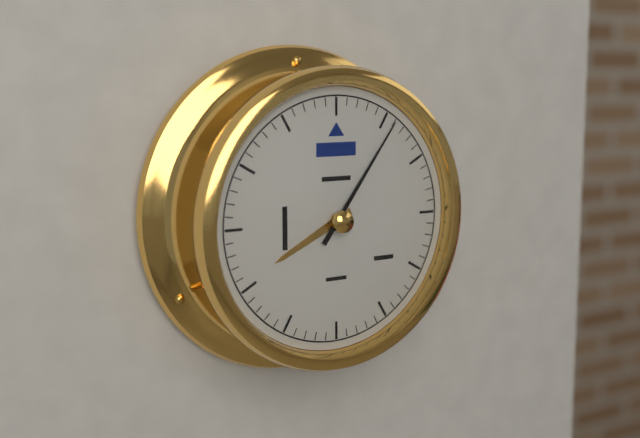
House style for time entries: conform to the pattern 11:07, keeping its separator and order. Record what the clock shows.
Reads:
8:06
